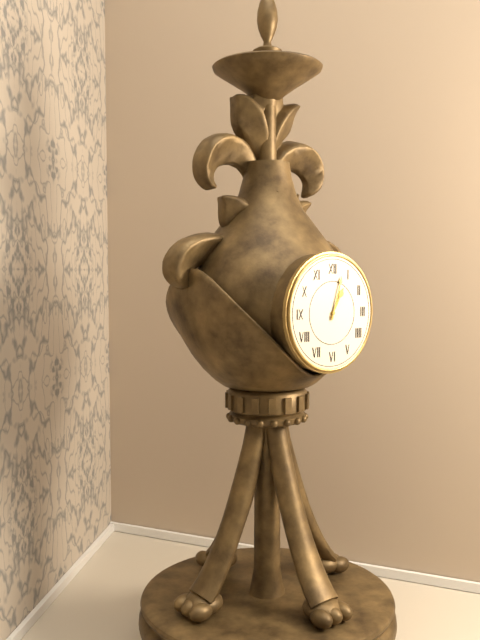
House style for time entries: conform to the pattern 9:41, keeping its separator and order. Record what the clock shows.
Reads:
1:03
